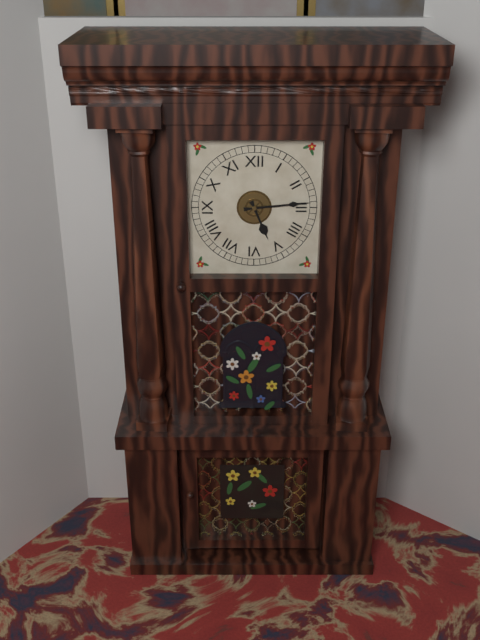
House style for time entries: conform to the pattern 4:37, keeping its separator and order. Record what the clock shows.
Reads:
5:14
